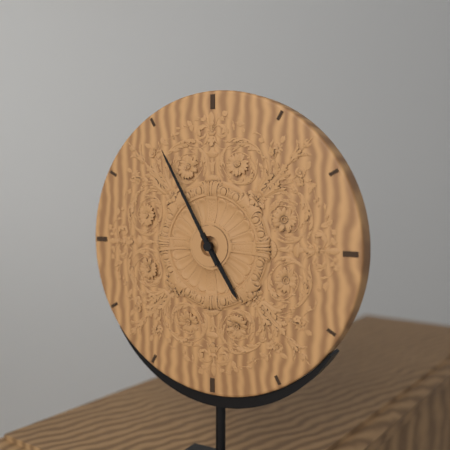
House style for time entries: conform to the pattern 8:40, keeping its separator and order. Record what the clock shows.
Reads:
4:55
